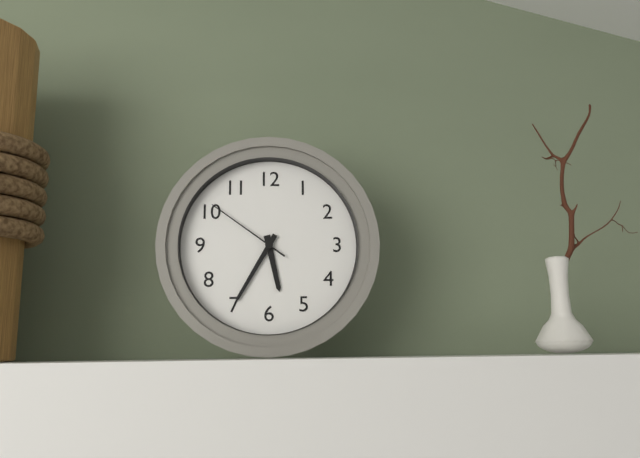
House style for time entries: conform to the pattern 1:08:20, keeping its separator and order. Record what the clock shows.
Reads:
5:35:51
